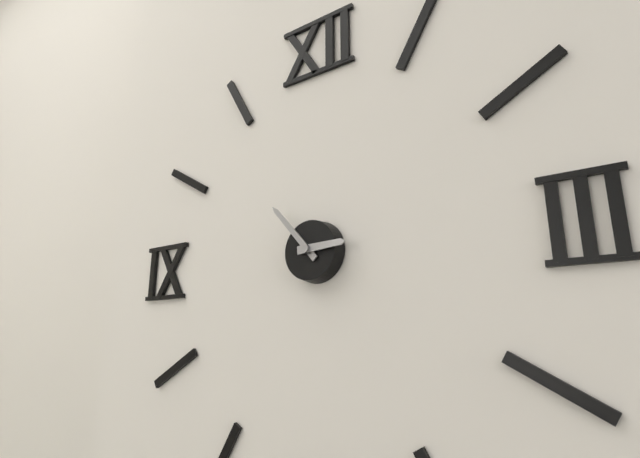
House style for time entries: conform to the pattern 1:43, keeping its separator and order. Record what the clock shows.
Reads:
2:53
